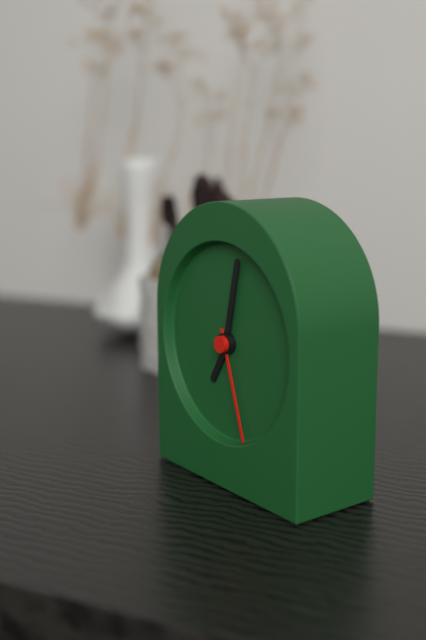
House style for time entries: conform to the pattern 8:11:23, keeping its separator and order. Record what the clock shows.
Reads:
7:02:27
